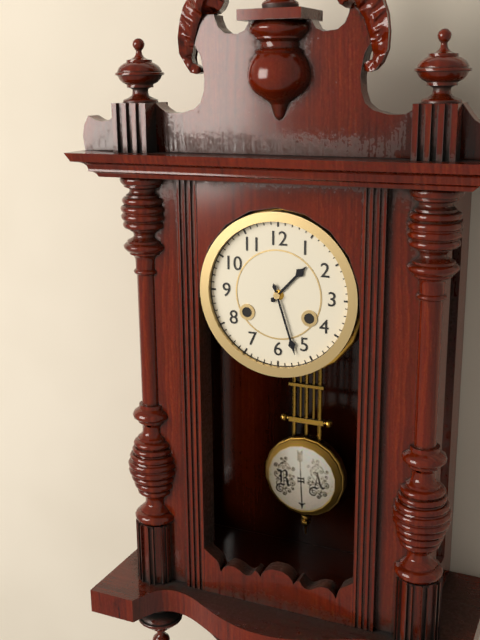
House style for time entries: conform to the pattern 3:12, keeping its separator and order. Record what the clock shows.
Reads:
1:27
